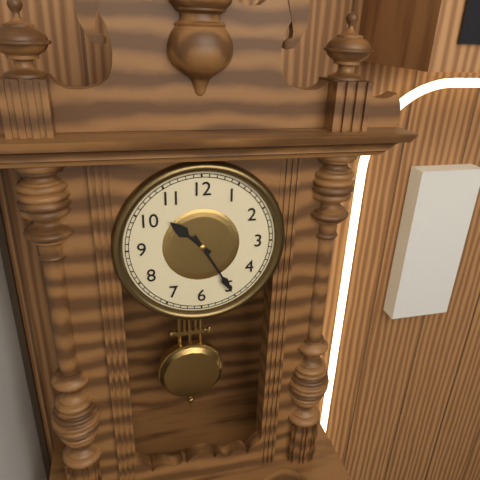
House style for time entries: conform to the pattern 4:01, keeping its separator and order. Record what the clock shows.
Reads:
10:25
